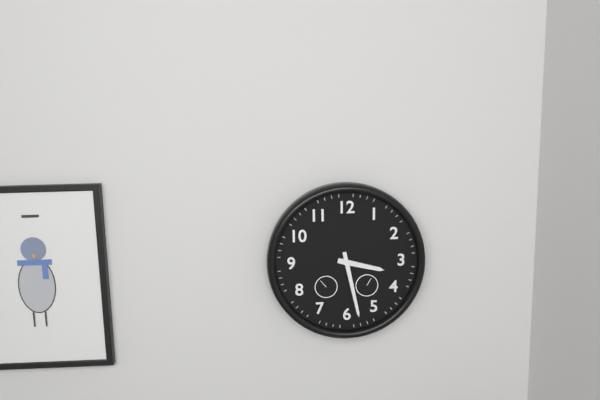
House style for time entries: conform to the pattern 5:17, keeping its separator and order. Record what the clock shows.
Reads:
3:28
